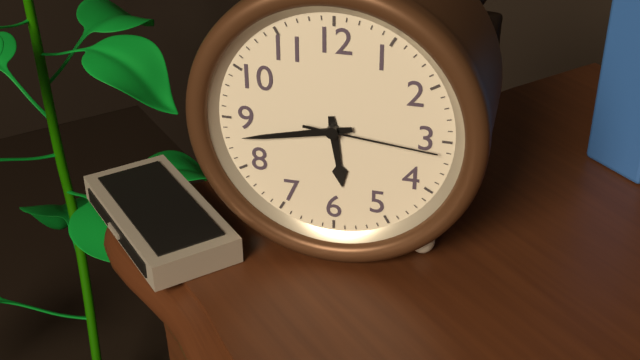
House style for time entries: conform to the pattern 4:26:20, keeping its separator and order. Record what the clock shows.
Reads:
5:43:16
